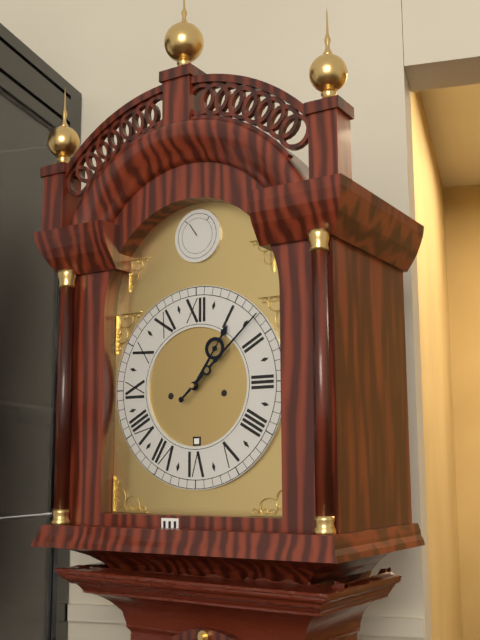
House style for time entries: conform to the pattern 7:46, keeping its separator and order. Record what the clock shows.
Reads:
1:08
